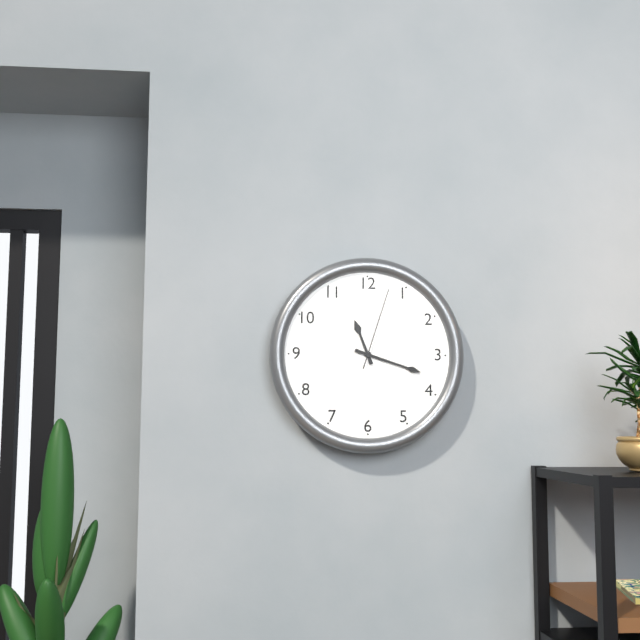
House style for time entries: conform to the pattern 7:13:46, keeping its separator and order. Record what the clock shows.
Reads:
11:18:03
